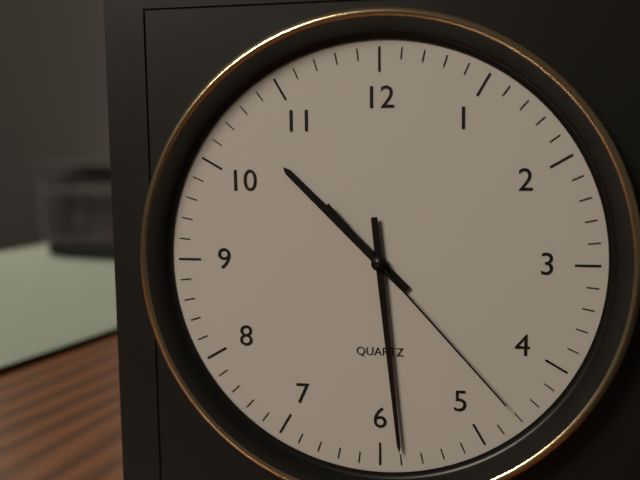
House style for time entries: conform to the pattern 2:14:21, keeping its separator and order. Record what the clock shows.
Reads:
10:29:23
